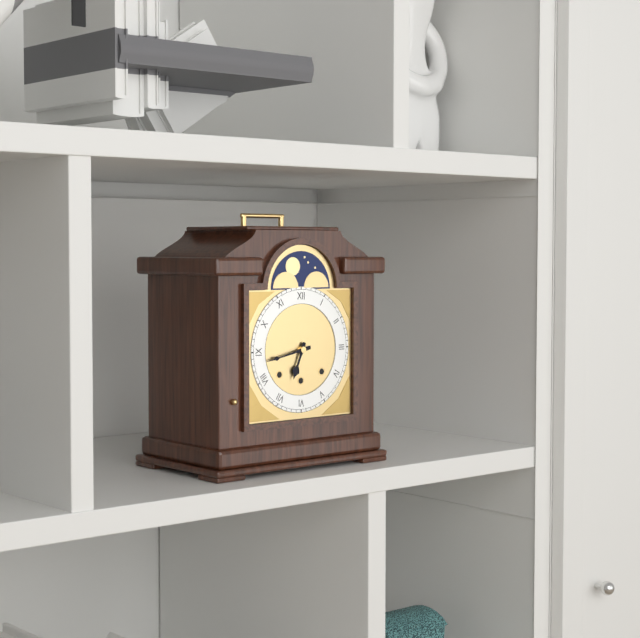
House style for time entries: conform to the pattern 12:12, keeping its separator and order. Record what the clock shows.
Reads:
6:43
